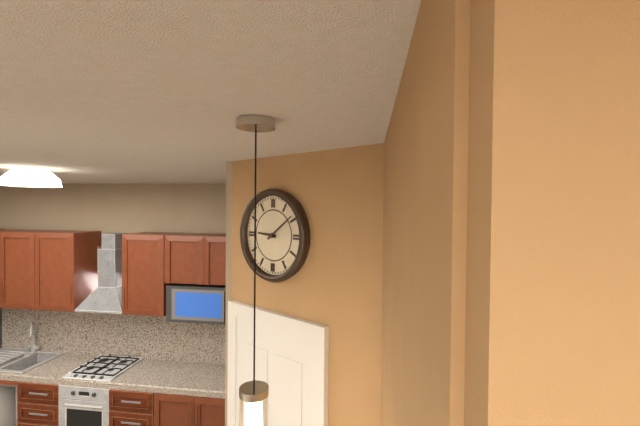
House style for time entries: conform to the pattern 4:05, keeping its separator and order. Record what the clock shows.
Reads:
9:09
